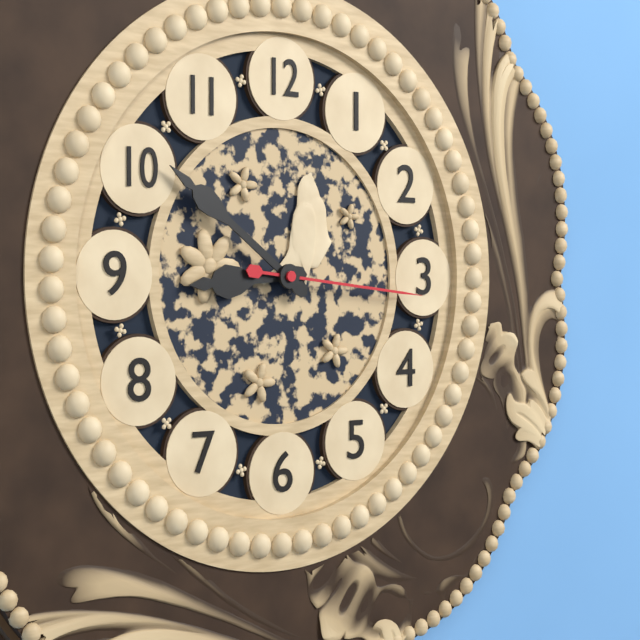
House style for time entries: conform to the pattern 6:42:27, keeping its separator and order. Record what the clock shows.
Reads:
8:51:16
